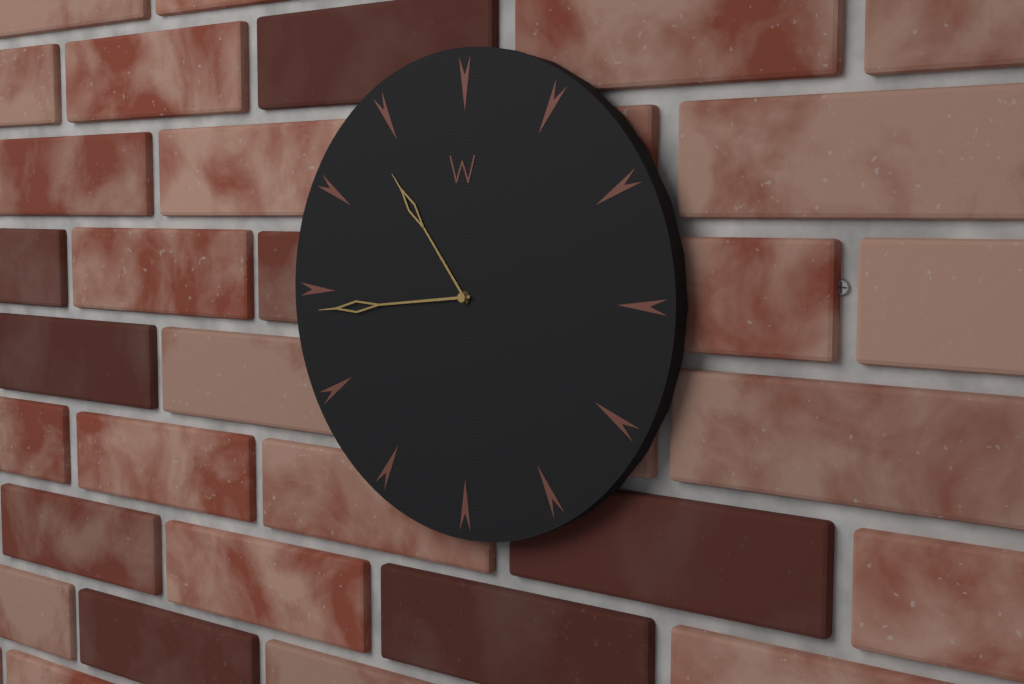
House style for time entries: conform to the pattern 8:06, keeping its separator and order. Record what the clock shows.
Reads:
10:44
